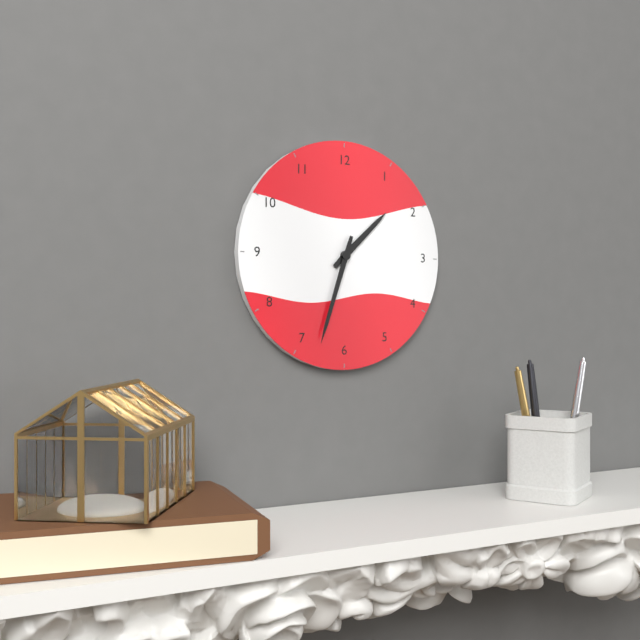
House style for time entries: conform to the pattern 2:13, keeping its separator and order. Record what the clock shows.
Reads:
1:33
